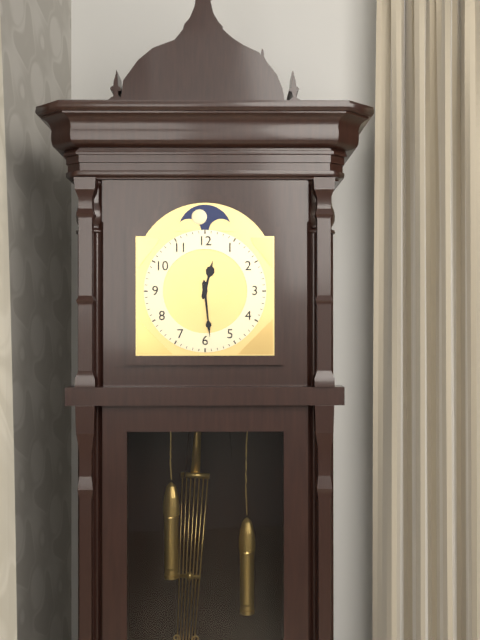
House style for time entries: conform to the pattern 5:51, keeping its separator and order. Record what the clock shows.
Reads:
12:29
